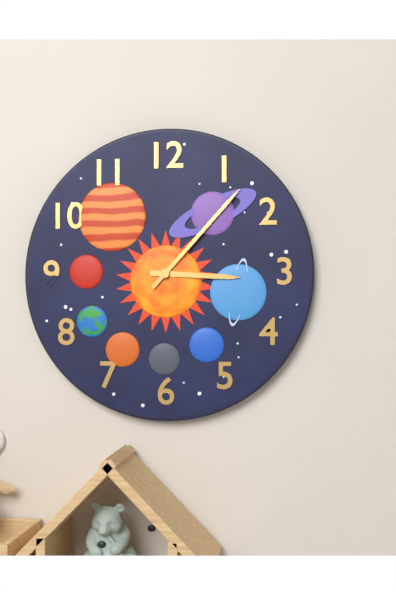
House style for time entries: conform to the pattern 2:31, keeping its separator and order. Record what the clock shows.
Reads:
3:07
